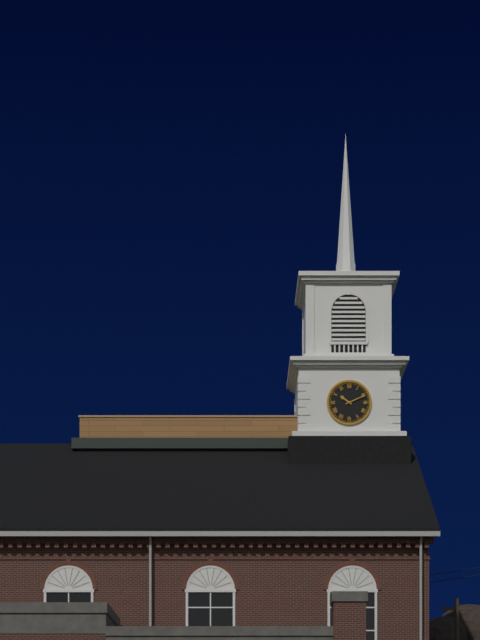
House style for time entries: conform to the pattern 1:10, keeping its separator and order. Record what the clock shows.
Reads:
10:11
